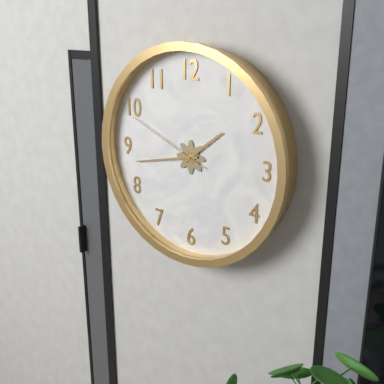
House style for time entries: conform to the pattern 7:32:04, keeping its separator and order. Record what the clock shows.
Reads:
1:43:49
